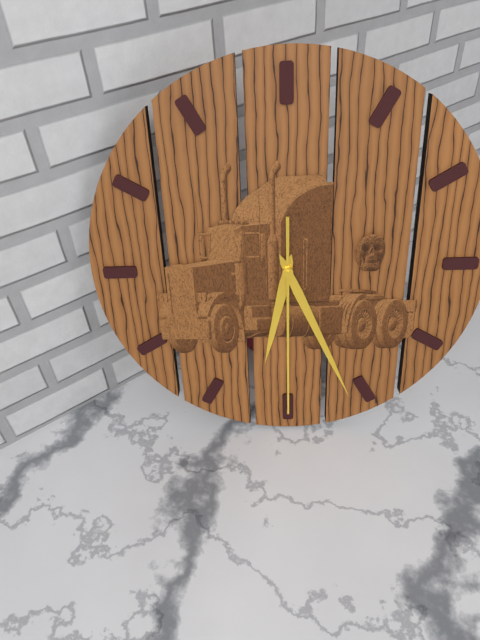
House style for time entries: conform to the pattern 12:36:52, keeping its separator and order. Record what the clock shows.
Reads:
6:26:30
